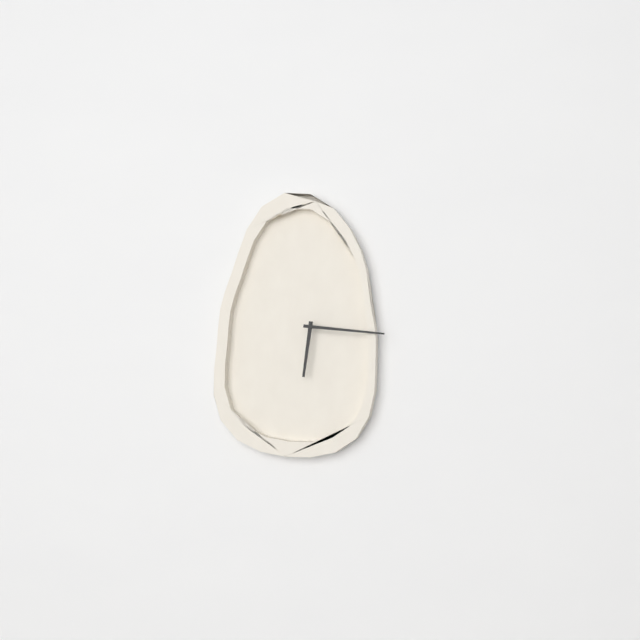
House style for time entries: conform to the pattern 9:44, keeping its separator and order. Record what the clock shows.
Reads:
6:16
